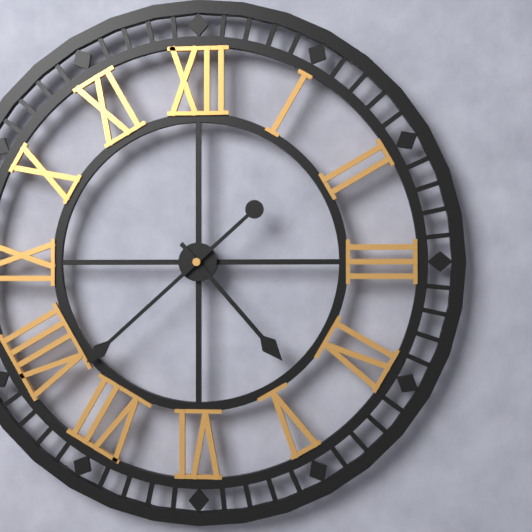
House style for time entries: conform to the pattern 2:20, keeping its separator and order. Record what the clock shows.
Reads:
4:38
